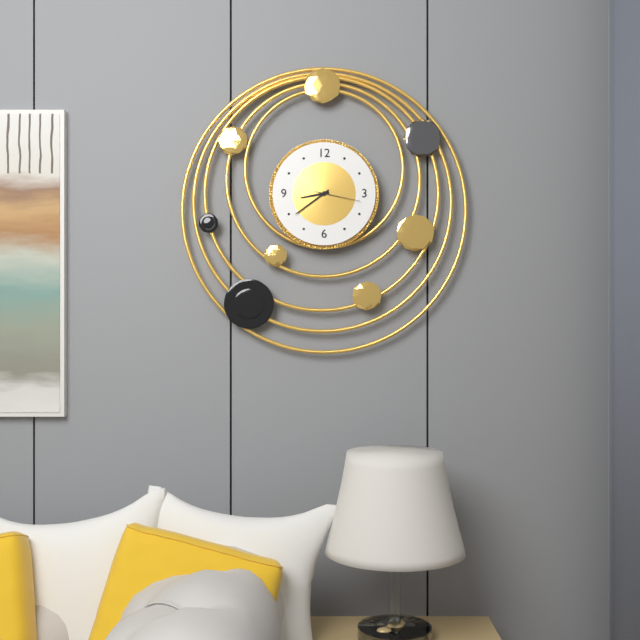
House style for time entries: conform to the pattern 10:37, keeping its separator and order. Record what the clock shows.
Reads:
8:39
